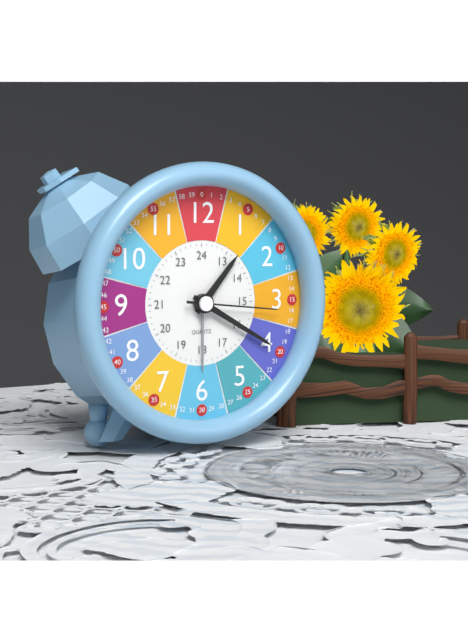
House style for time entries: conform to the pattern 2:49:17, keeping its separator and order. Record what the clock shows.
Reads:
1:20:16
